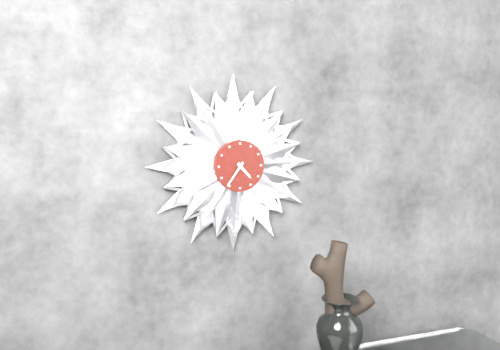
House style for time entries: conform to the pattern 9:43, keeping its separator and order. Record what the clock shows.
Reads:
4:36
